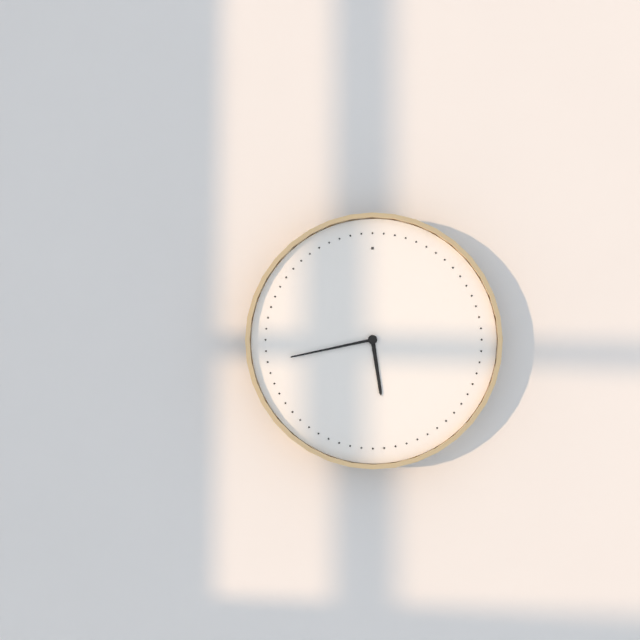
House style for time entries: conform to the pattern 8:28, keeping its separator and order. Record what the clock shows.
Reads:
5:43
